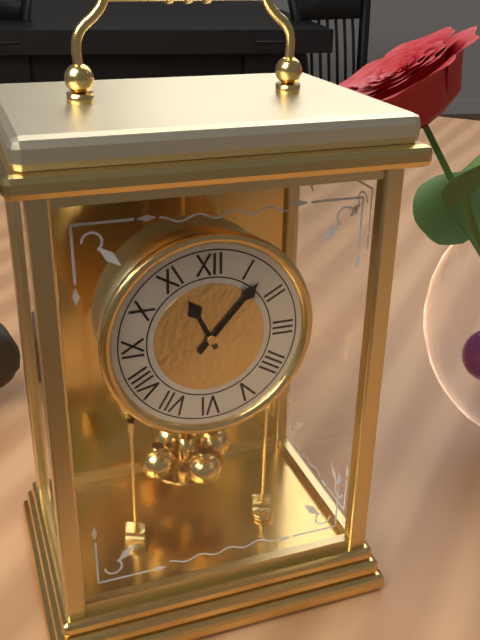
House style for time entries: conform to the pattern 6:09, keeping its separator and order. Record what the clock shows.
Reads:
11:07
